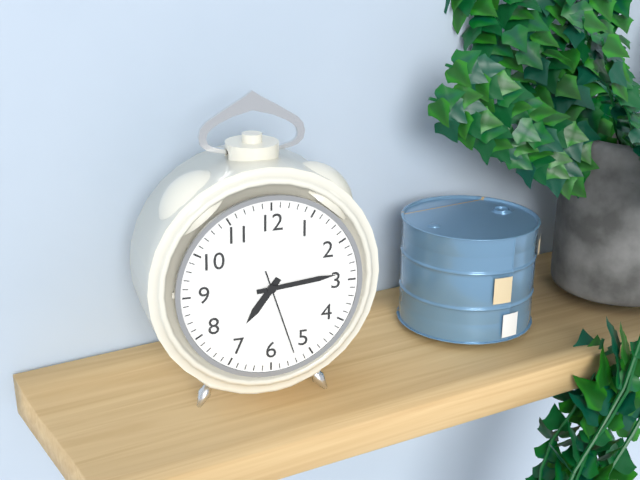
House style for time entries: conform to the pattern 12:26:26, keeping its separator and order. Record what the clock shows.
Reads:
7:14:27
